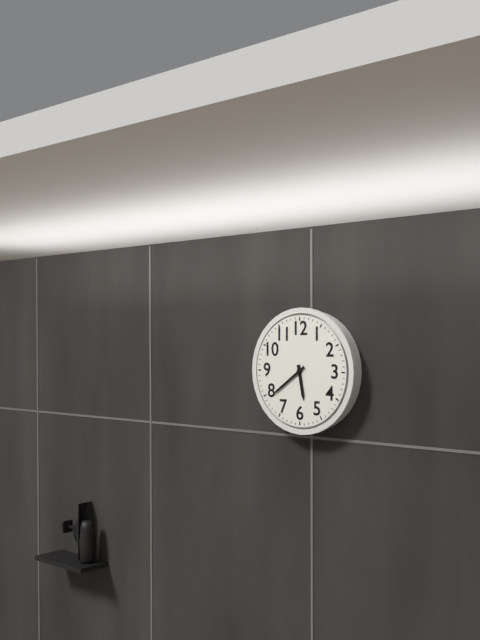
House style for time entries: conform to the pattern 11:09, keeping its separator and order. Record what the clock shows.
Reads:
5:39
